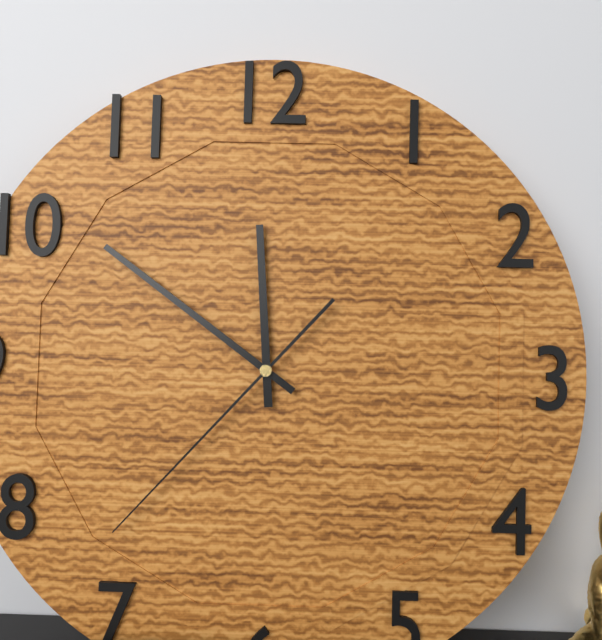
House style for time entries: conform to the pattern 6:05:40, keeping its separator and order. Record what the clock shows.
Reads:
11:51:37
